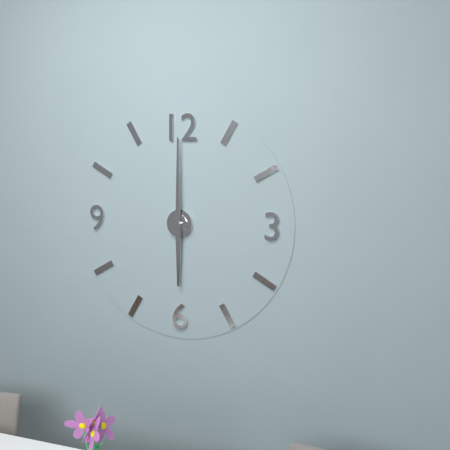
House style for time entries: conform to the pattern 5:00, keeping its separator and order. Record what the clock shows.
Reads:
6:00
